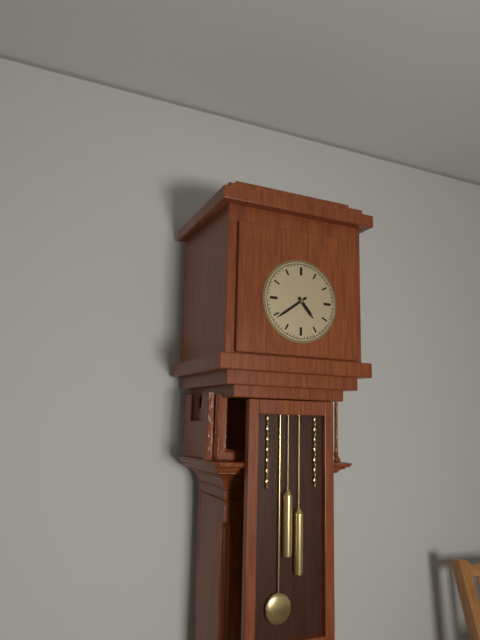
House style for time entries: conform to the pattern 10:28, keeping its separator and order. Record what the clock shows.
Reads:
4:39
